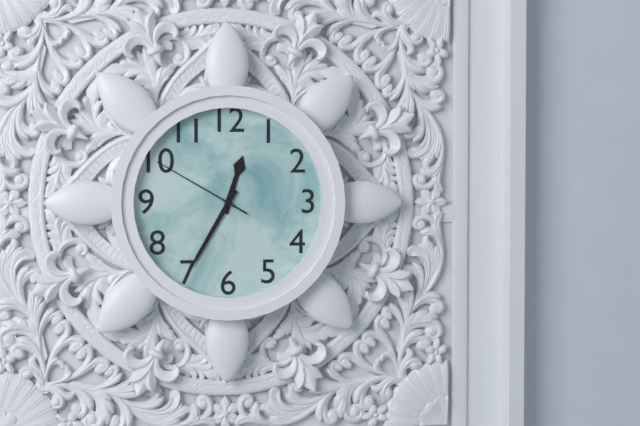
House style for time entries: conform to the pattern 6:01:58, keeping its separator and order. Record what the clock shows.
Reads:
12:35:50
